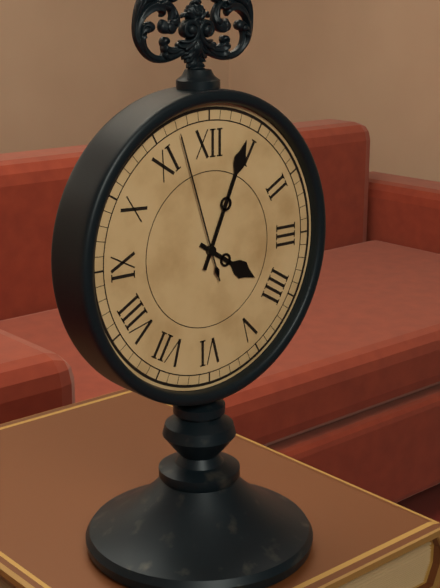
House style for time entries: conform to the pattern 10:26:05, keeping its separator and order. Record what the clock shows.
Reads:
4:04:57
